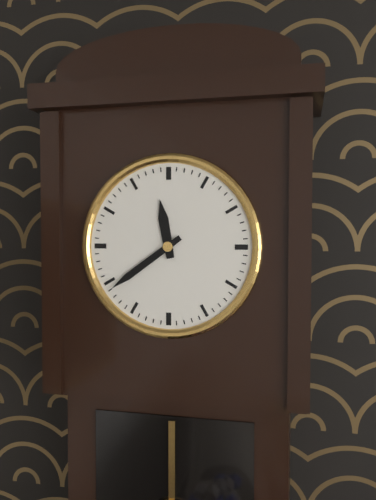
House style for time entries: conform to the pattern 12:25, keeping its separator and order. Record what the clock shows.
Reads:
11:39
